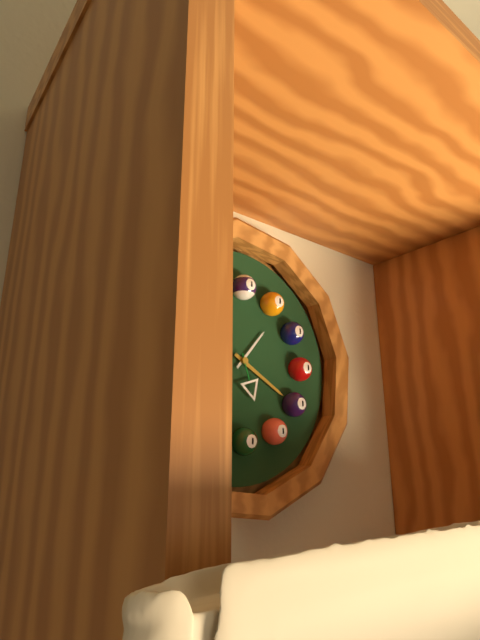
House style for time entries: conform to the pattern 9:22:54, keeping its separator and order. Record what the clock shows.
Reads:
1:20:27
